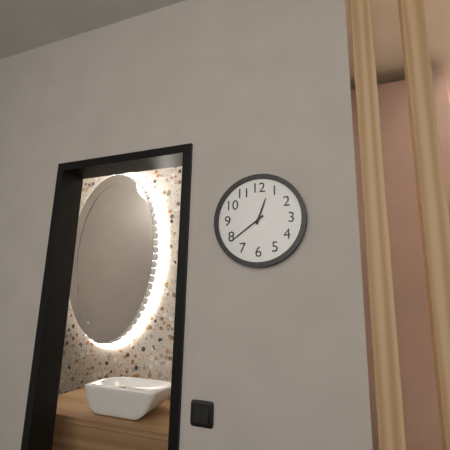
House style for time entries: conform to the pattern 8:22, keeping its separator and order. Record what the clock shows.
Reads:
12:39
